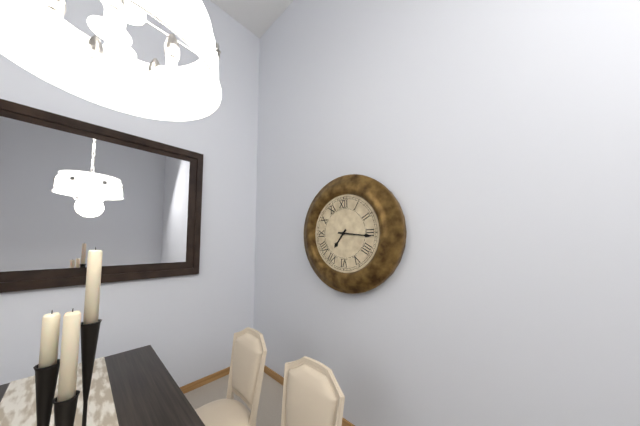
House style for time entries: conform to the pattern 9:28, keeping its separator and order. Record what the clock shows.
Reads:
7:16
